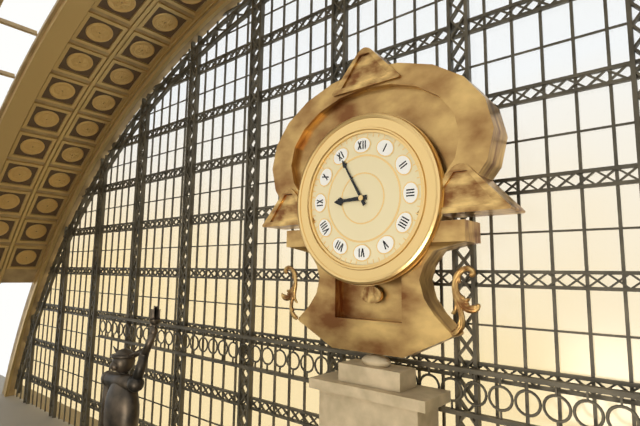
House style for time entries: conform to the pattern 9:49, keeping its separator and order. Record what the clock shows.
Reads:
8:55
